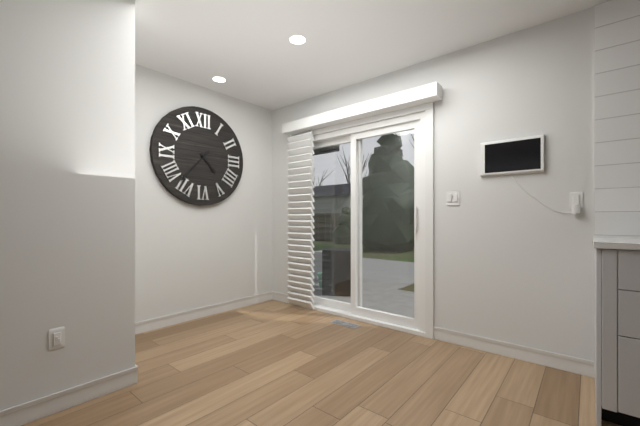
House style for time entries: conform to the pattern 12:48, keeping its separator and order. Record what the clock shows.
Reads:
4:37
